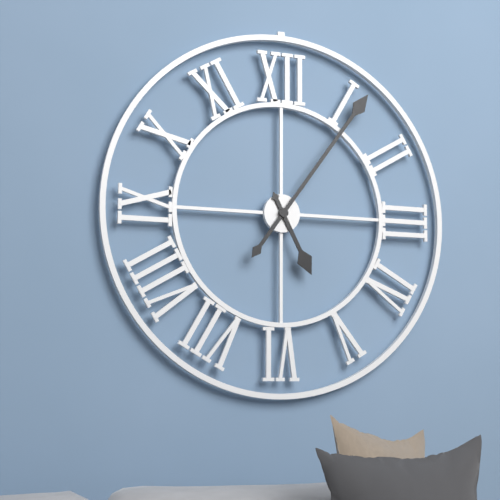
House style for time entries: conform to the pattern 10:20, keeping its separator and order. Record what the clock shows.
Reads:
5:06
